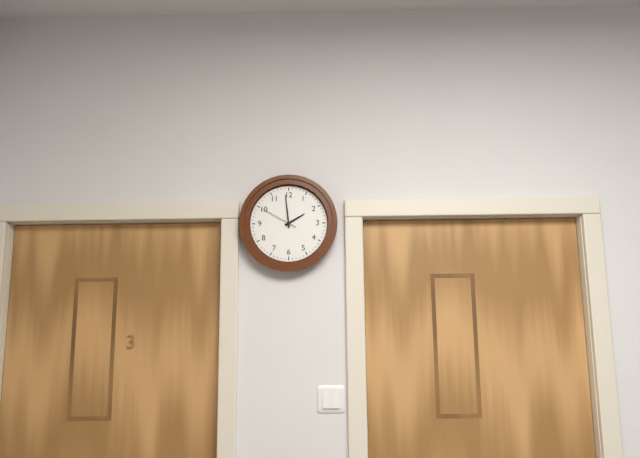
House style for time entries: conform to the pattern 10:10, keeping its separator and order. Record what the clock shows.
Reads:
1:59
